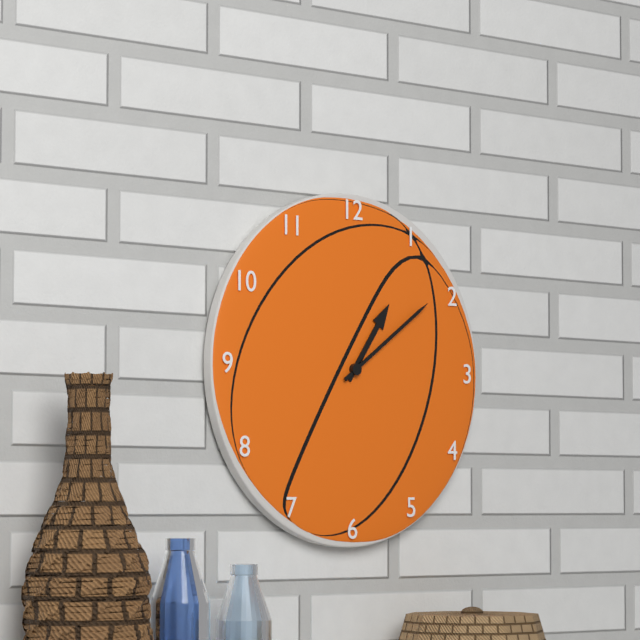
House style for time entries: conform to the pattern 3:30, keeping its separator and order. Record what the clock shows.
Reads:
1:09
